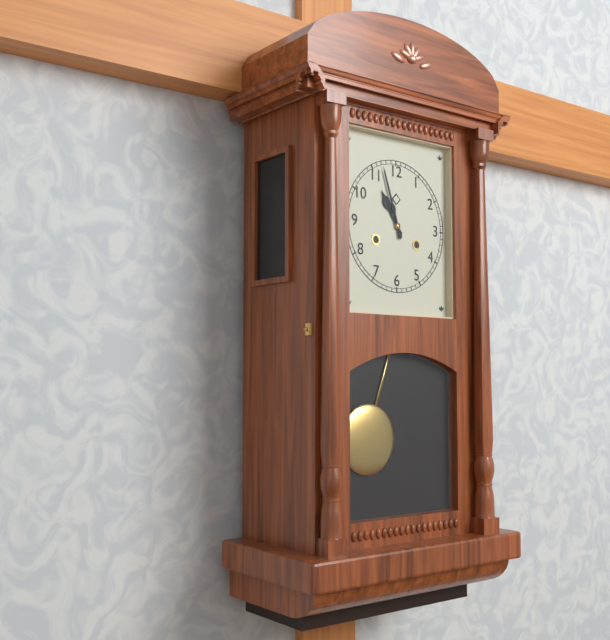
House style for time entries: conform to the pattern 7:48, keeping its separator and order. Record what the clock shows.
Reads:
10:57
